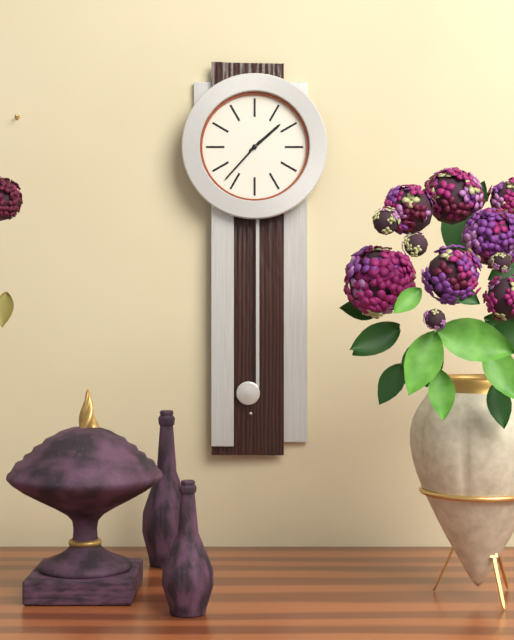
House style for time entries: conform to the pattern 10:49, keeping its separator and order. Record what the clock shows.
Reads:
1:37
